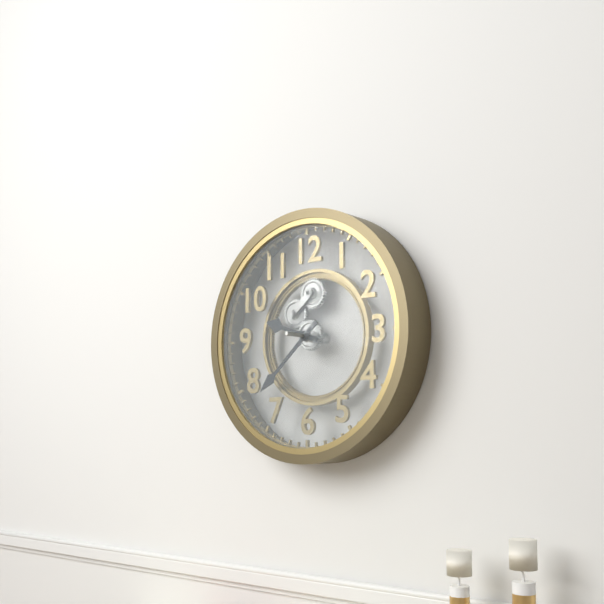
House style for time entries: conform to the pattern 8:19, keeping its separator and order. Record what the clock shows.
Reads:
9:38
